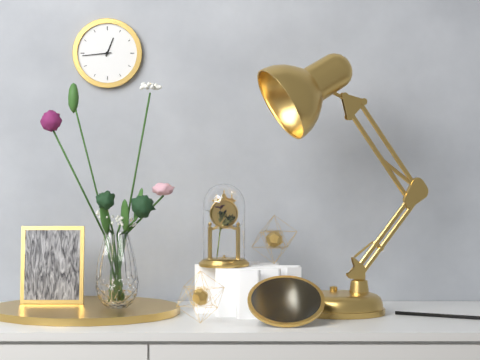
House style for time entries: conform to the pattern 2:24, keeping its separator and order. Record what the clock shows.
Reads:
12:44
